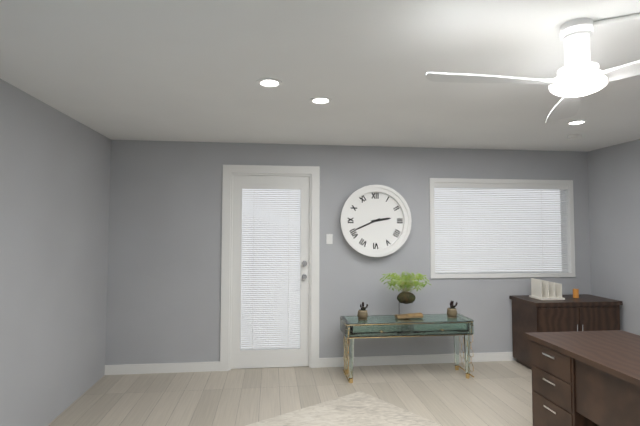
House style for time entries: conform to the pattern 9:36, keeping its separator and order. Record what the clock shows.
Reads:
2:41
